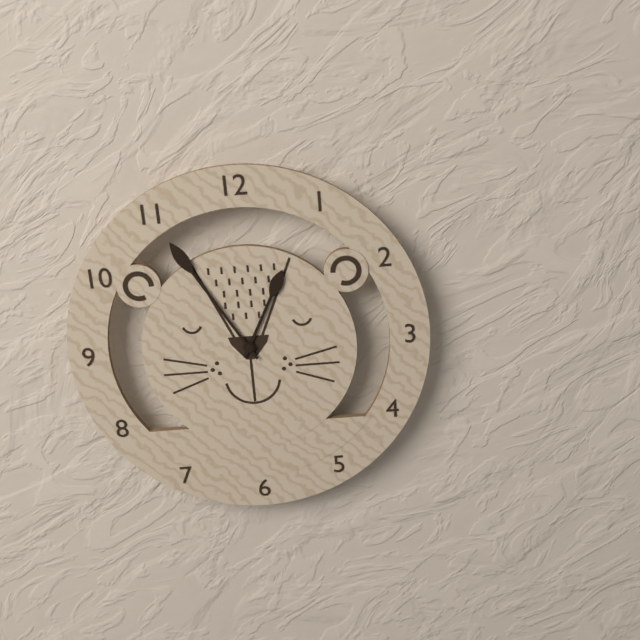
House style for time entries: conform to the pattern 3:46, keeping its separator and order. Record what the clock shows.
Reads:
12:55
